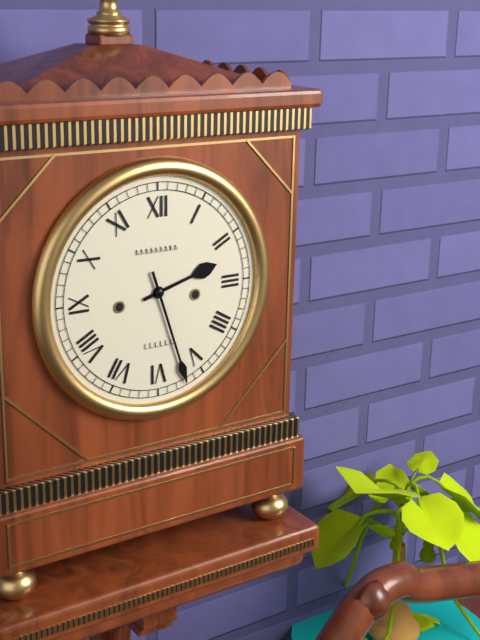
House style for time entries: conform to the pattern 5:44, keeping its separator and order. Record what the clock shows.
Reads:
2:27
